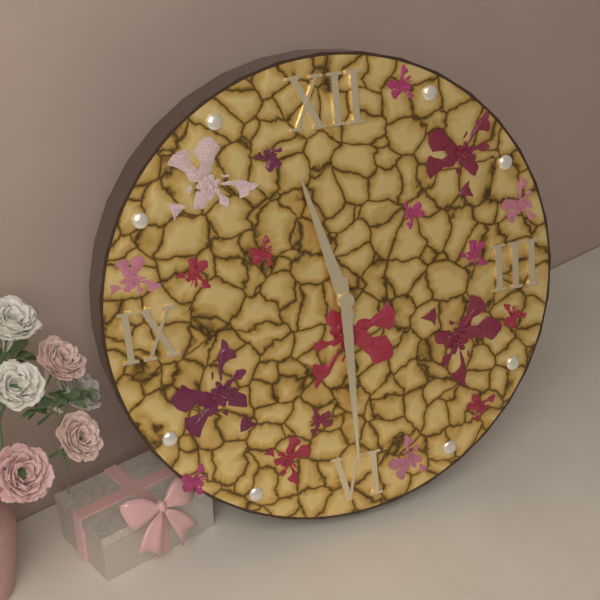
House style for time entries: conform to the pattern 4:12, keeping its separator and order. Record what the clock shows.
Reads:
11:30
